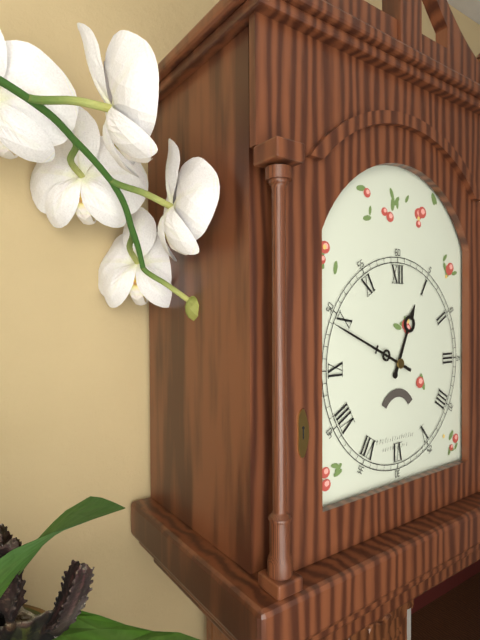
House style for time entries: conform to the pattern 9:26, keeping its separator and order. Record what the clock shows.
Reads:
12:49
